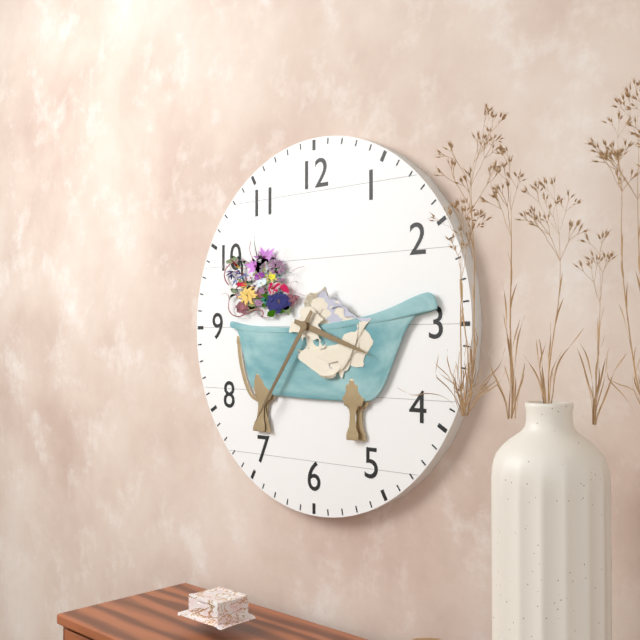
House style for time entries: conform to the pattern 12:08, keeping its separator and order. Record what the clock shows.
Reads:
3:36
